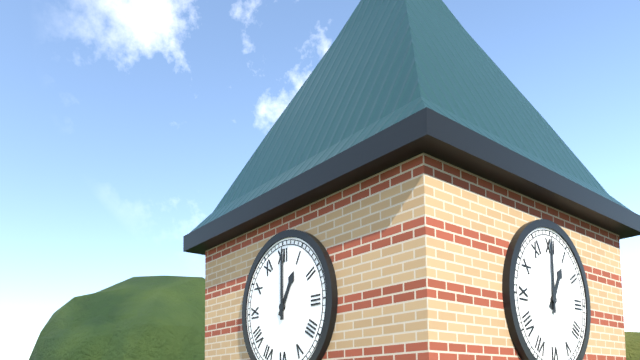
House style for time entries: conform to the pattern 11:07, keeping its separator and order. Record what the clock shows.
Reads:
1:00
